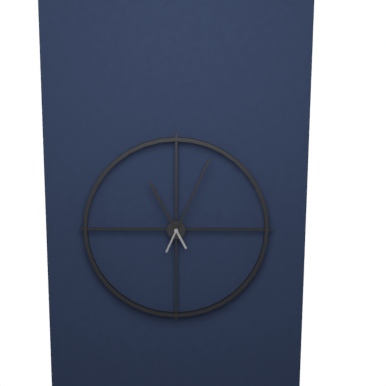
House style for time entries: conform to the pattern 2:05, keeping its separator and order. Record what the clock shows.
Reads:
11:04
